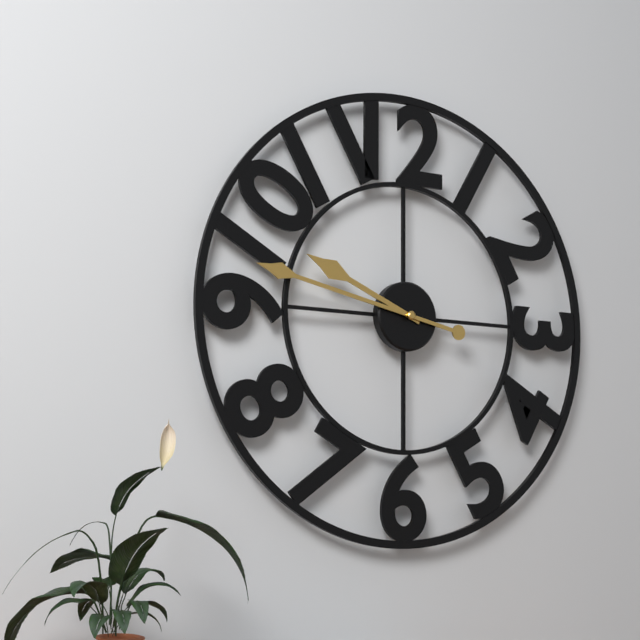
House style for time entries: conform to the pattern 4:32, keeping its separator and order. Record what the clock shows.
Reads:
9:47
